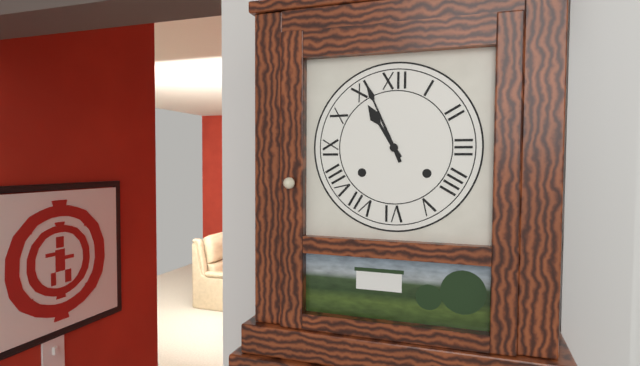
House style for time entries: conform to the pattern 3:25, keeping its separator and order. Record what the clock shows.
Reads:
10:56
